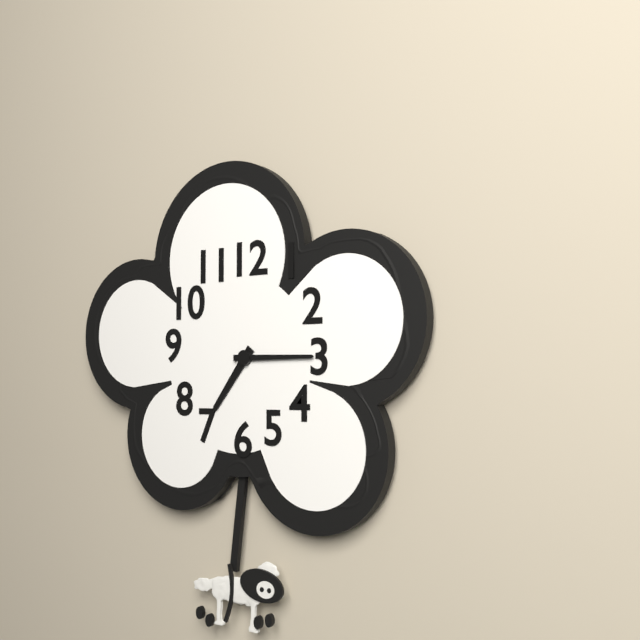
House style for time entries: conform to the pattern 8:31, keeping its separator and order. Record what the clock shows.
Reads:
7:15
